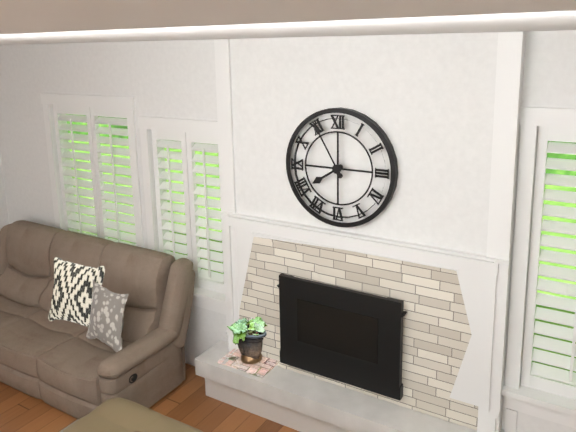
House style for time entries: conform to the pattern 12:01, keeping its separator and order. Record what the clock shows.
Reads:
7:55
